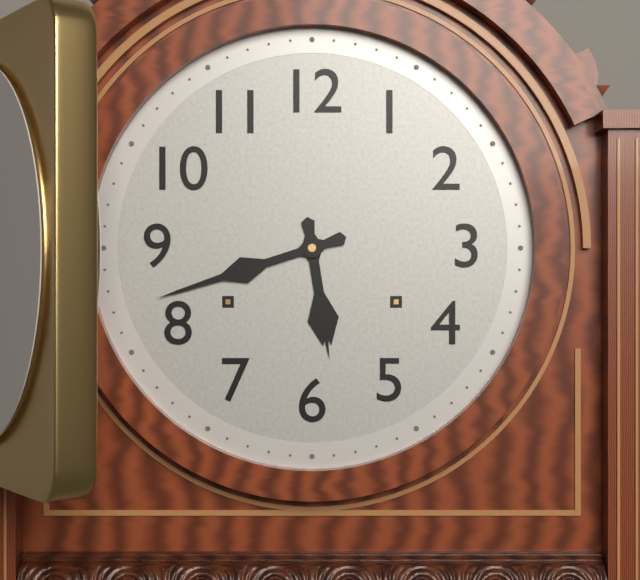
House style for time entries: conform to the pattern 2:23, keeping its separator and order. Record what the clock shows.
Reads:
5:42
